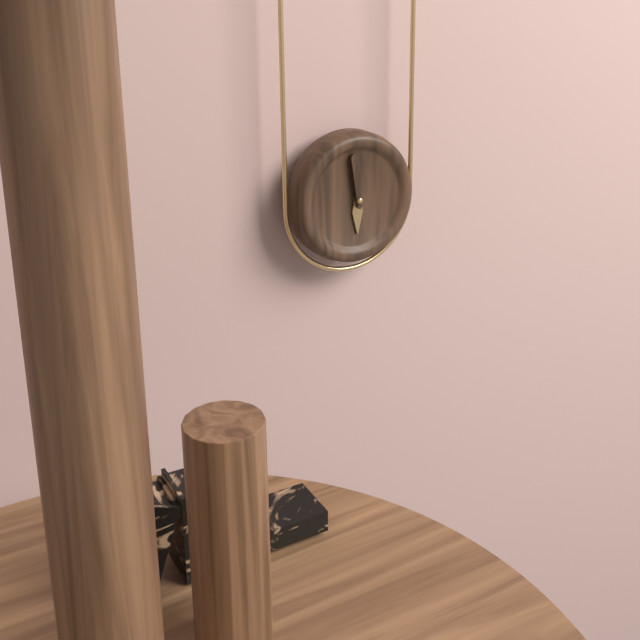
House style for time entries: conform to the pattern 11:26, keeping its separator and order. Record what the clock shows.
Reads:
5:59
